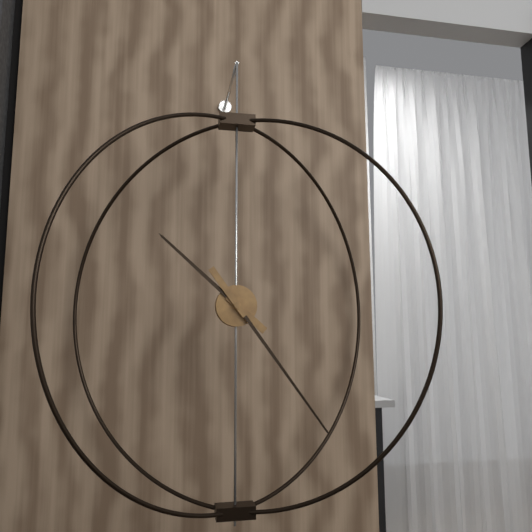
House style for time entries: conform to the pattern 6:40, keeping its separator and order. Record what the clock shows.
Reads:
10:24
